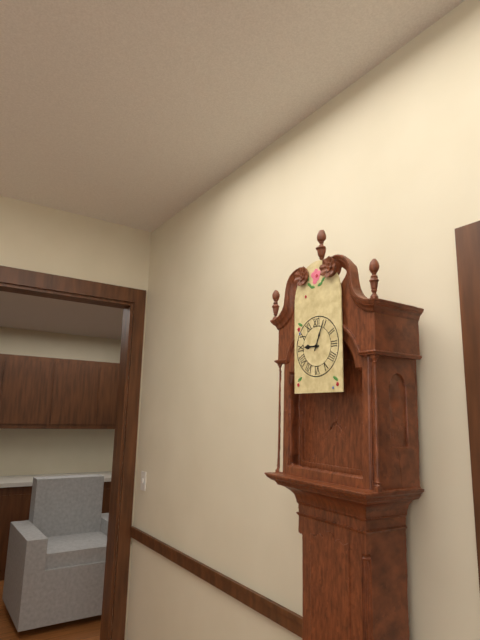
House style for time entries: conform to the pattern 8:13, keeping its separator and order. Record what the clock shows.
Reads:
9:04
